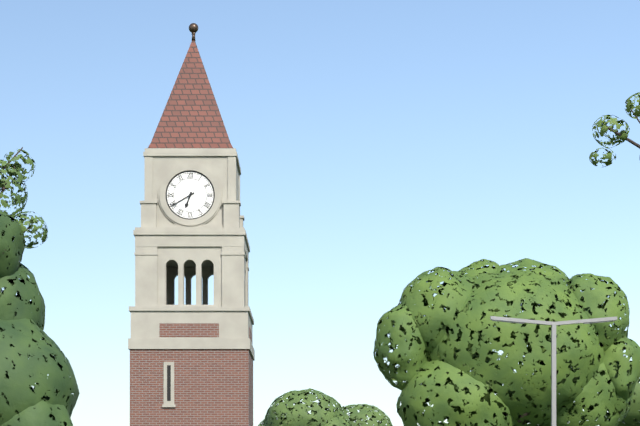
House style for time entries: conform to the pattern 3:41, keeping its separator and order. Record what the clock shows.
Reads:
6:40
